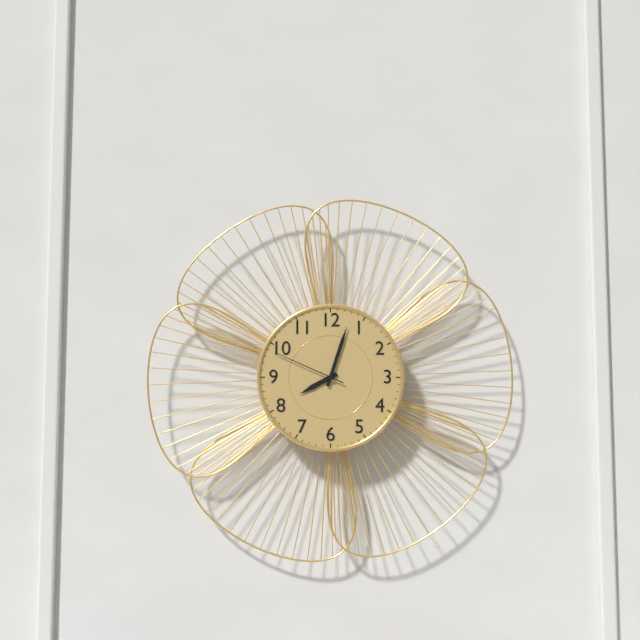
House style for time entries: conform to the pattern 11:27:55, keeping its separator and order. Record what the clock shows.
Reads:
8:03:49
